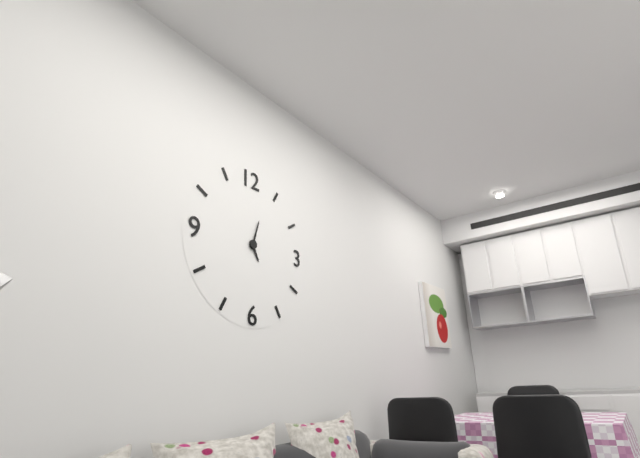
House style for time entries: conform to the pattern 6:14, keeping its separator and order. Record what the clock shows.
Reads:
5:03
